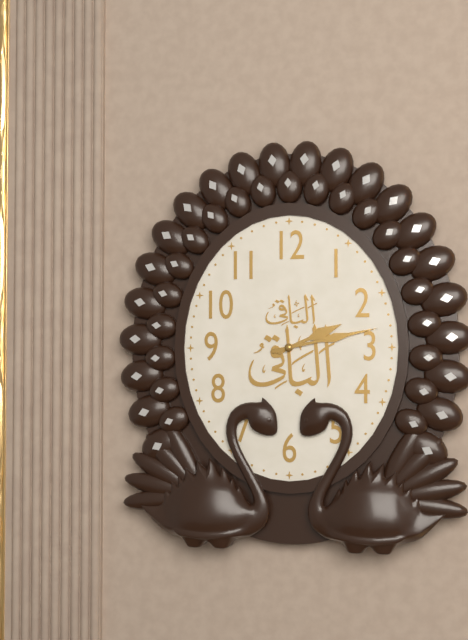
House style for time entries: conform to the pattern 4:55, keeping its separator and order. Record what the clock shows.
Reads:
2:13
